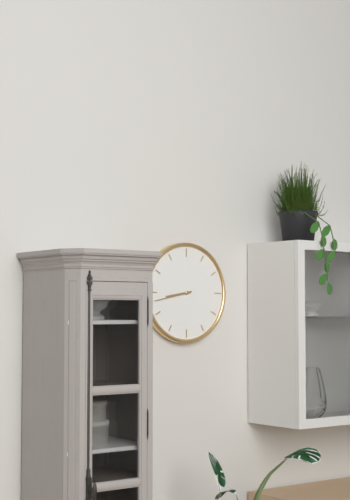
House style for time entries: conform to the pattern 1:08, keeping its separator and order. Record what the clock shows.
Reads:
8:43
